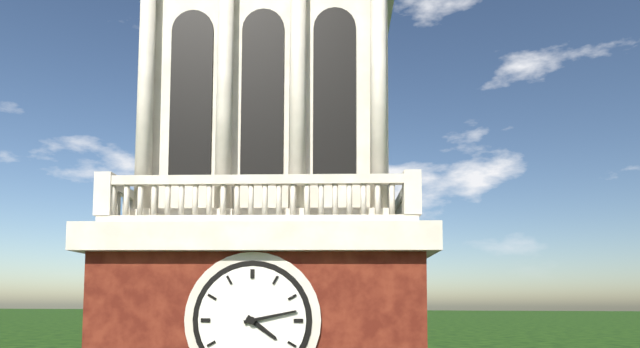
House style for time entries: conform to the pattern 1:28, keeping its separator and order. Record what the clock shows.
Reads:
4:13
